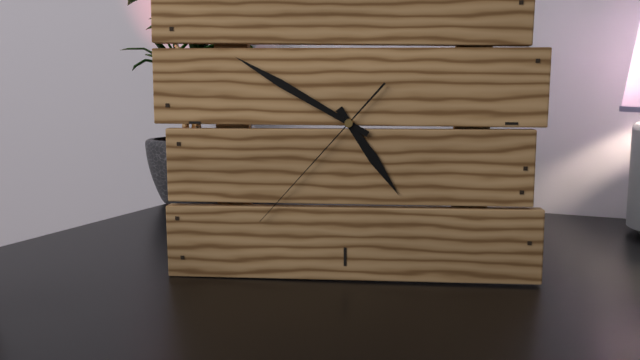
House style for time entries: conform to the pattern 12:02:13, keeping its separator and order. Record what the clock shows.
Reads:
4:50:37
